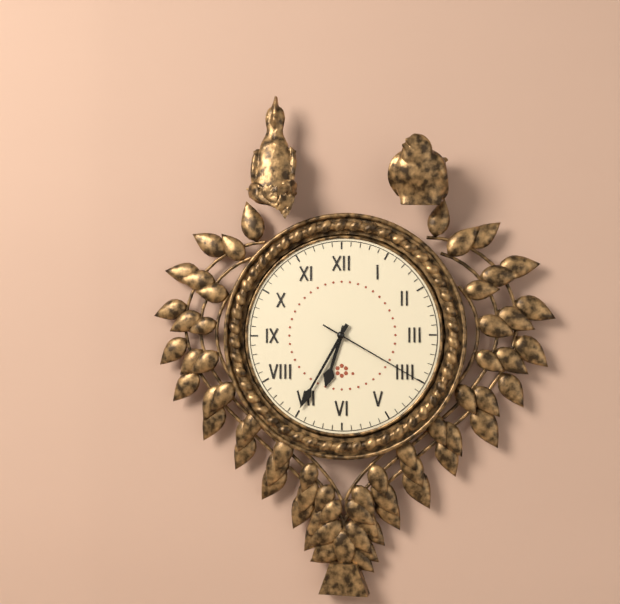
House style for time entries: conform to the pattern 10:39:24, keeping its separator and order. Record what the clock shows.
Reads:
6:35:20
